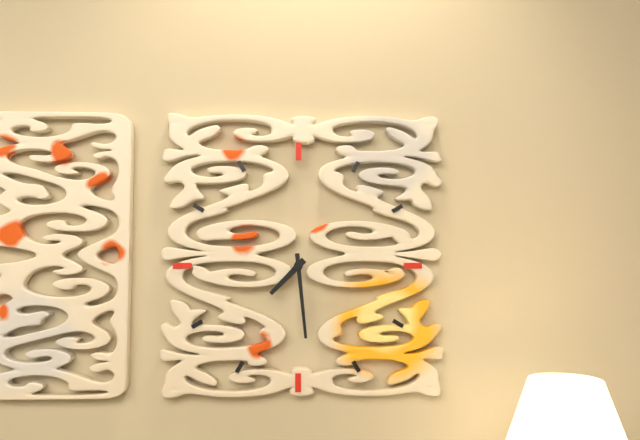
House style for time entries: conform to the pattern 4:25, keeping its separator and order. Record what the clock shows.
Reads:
7:29
